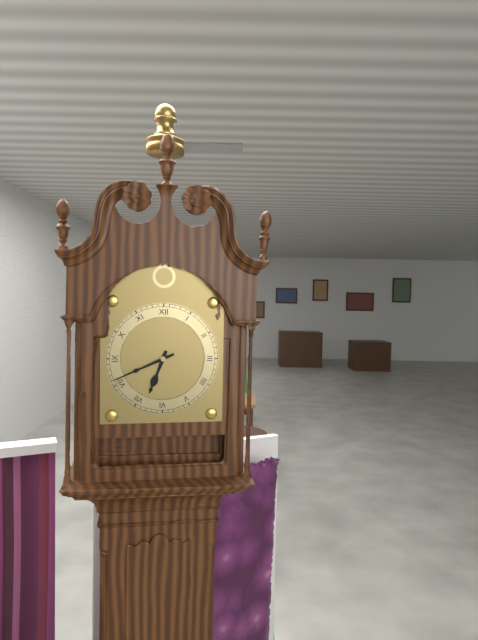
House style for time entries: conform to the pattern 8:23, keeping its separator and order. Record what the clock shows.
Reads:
6:41
